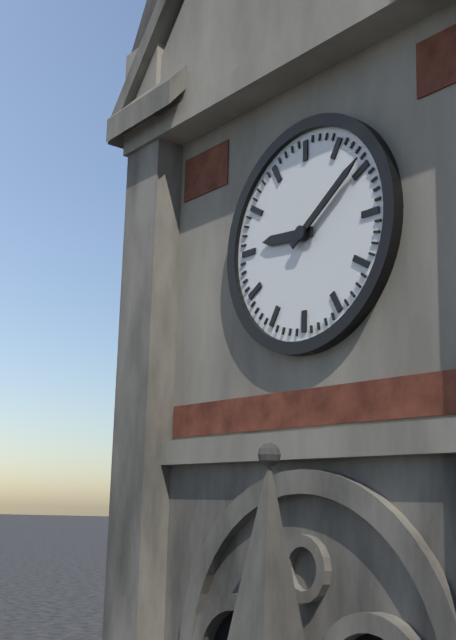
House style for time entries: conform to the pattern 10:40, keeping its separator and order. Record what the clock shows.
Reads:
9:09
